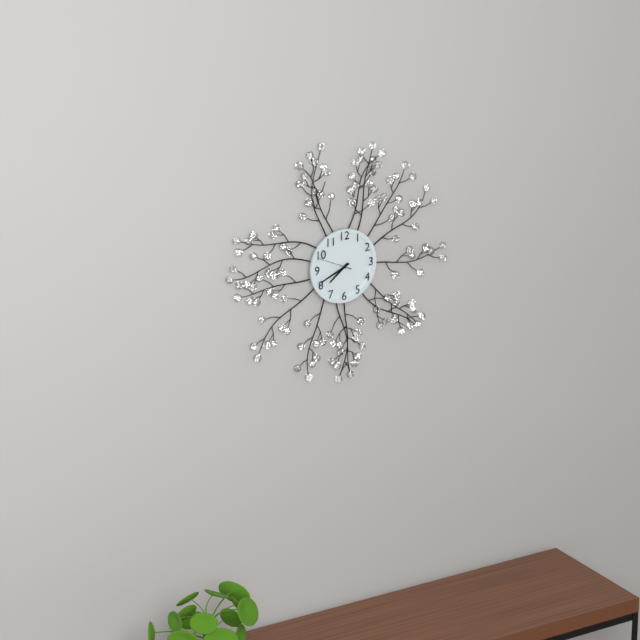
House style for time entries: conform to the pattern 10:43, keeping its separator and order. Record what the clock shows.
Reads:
7:41
